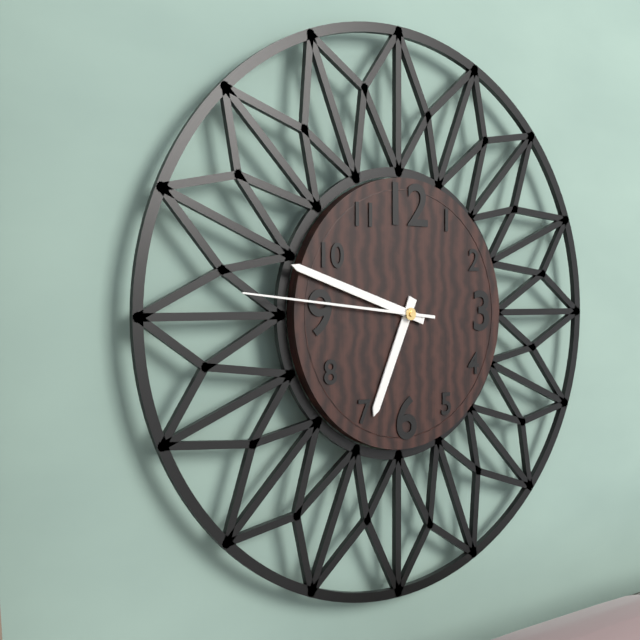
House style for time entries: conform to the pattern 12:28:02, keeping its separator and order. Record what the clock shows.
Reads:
6:48:46
